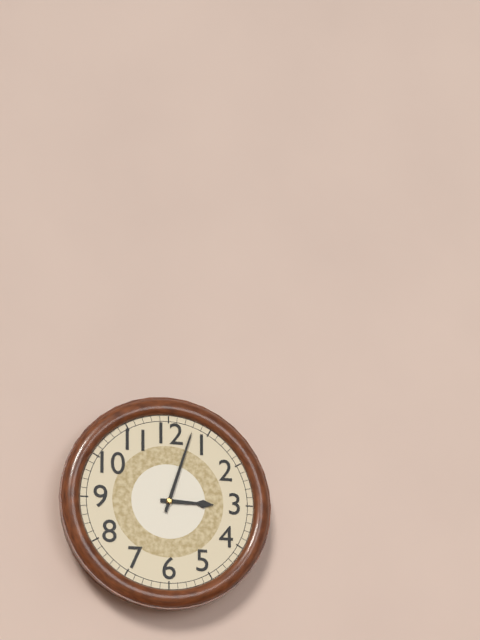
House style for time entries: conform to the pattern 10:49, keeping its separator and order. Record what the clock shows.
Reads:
3:03
